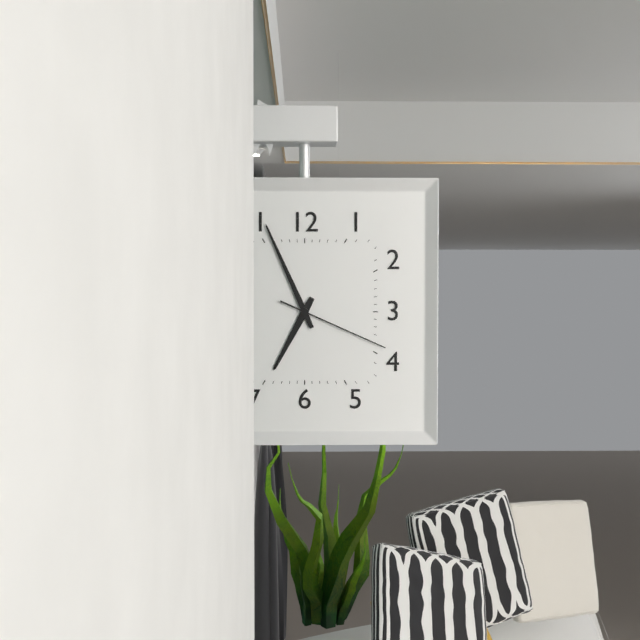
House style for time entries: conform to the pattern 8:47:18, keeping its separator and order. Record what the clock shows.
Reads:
6:56:19
